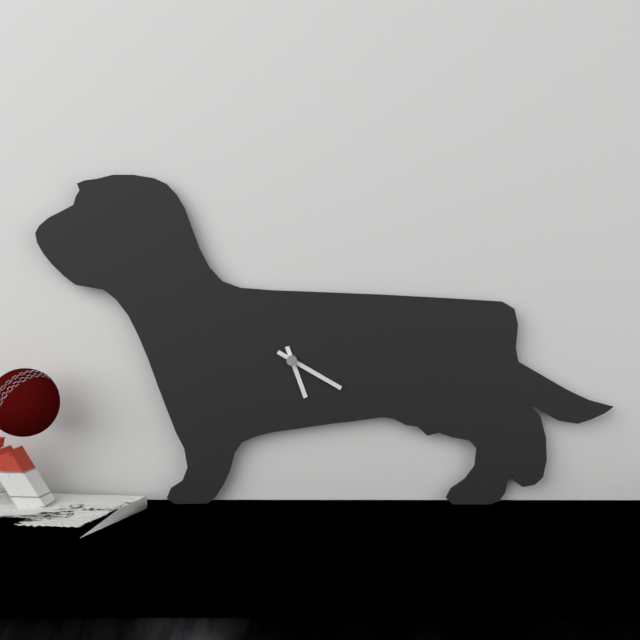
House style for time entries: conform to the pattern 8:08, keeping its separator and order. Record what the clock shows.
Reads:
5:20
